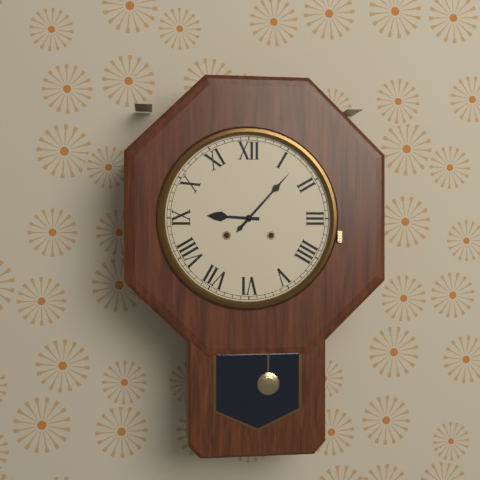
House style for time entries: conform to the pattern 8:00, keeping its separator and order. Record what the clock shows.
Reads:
9:07
